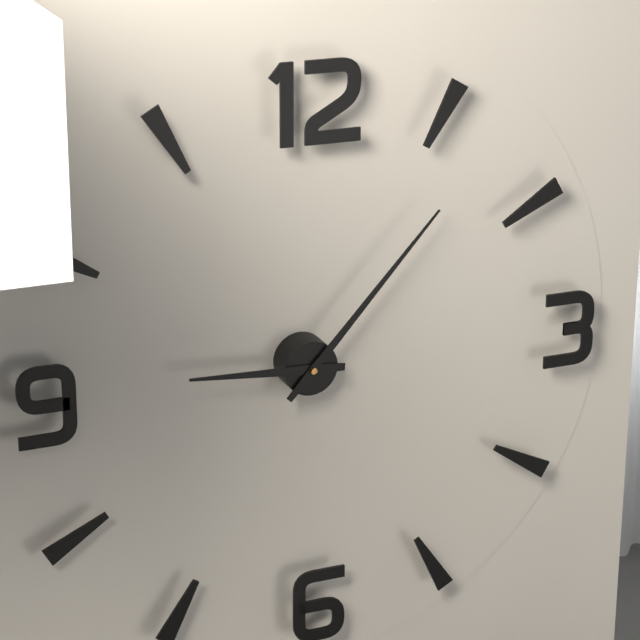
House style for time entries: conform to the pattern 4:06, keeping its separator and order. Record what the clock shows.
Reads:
9:07
